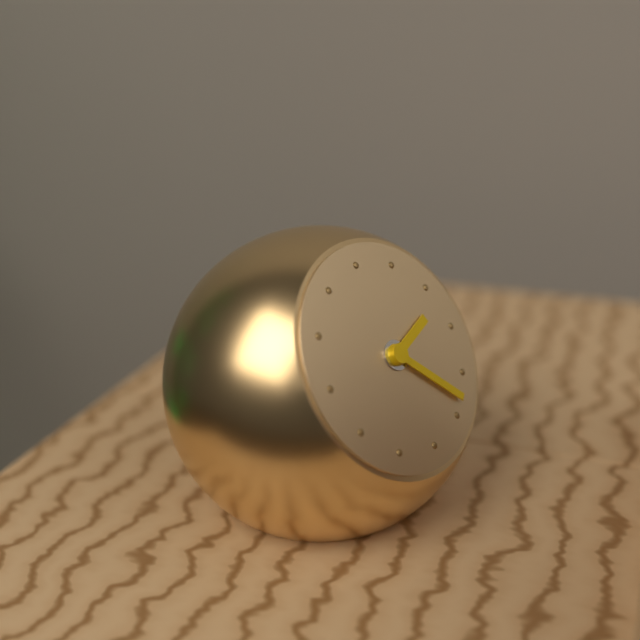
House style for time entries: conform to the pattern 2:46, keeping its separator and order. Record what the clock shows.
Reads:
2:23
